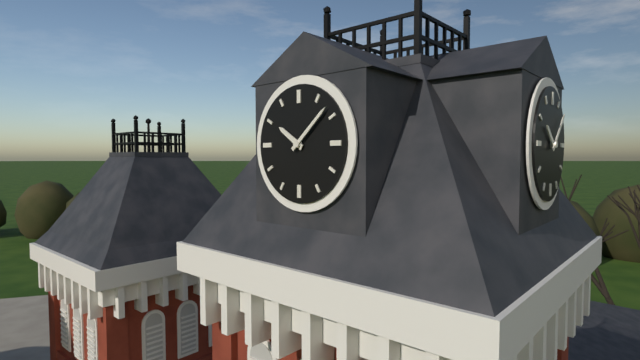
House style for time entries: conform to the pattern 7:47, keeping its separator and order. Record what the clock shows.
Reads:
10:08
